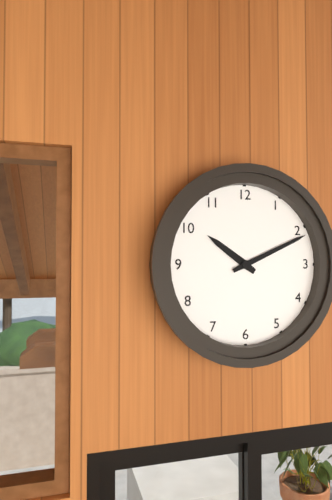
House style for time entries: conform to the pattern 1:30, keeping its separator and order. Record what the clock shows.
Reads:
10:11
